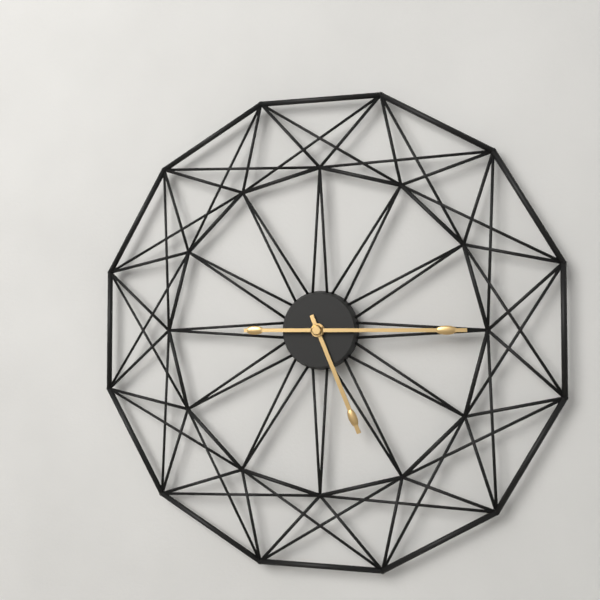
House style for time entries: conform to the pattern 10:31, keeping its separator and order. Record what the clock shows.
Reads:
5:15
